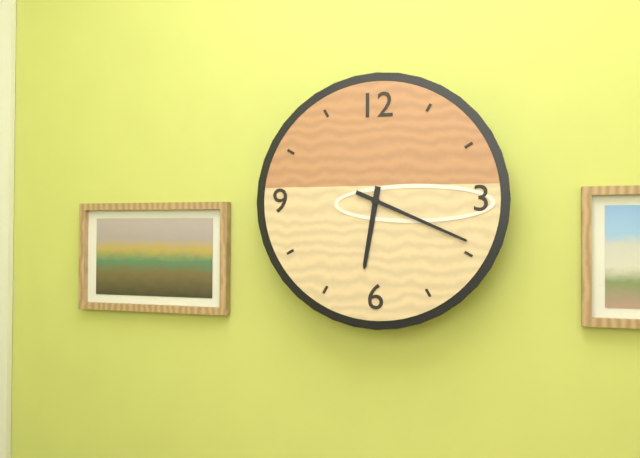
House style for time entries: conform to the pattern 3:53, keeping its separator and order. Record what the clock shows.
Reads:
6:19
